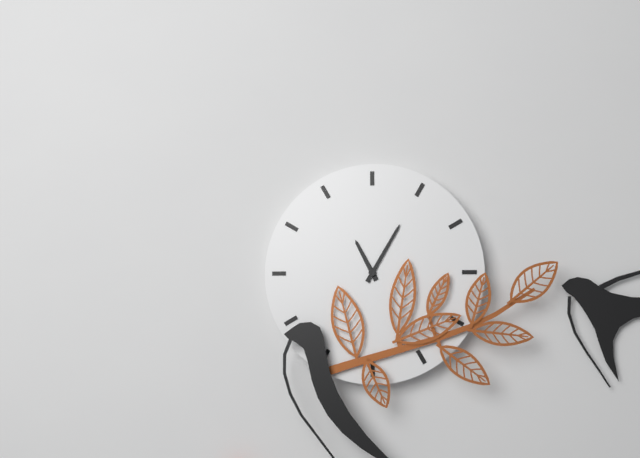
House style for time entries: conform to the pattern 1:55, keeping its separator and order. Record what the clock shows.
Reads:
11:05
